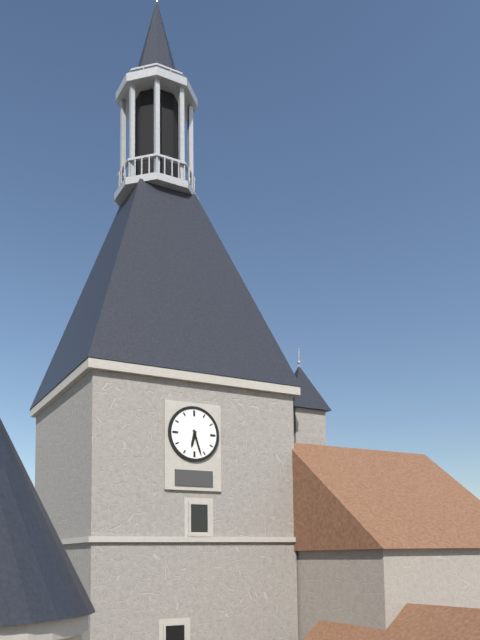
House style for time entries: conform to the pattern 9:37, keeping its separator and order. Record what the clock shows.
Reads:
6:27
